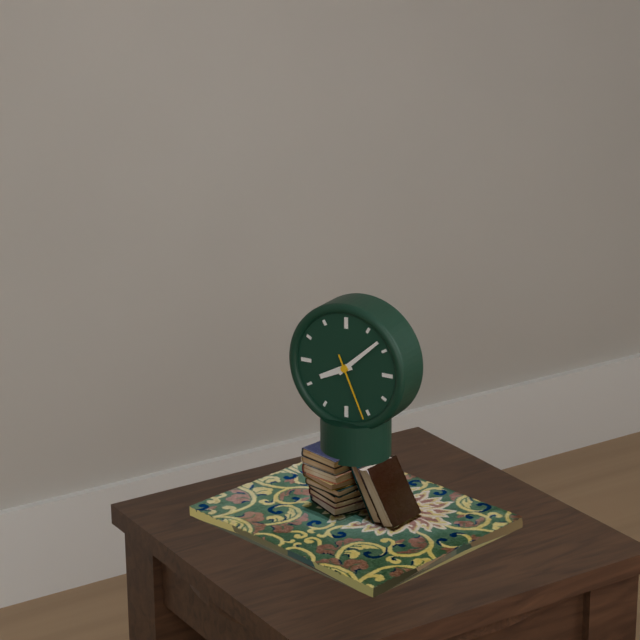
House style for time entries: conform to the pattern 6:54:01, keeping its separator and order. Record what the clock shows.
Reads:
8:08:26
